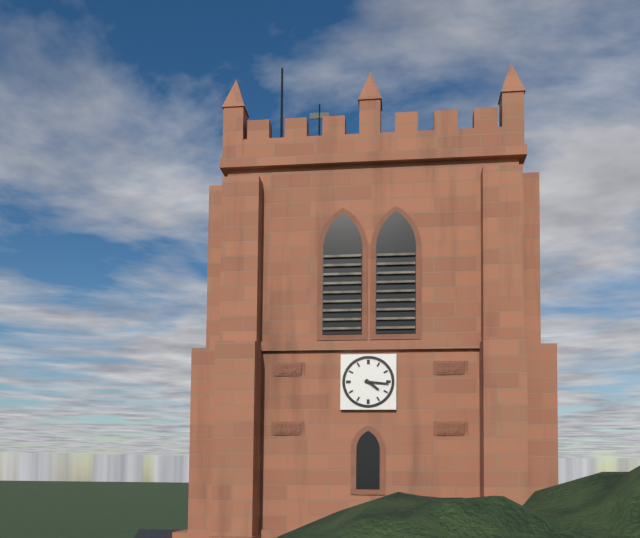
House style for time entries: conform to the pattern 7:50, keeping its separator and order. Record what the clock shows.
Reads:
4:16
